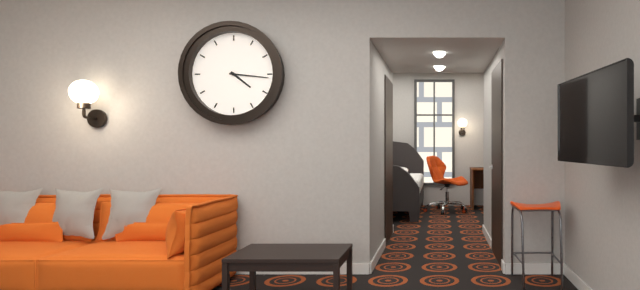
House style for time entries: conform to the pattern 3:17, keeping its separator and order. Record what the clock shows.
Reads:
4:16
